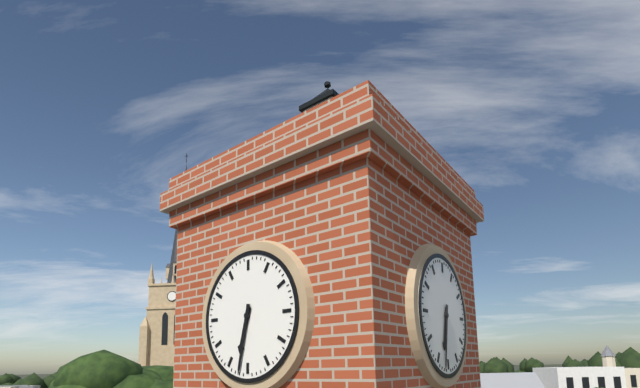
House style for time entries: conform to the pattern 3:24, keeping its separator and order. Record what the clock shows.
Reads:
6:32
